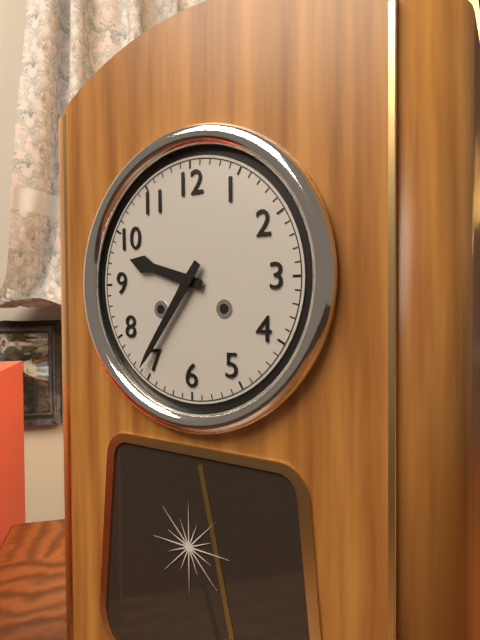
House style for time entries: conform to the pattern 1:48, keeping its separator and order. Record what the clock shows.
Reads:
9:36
